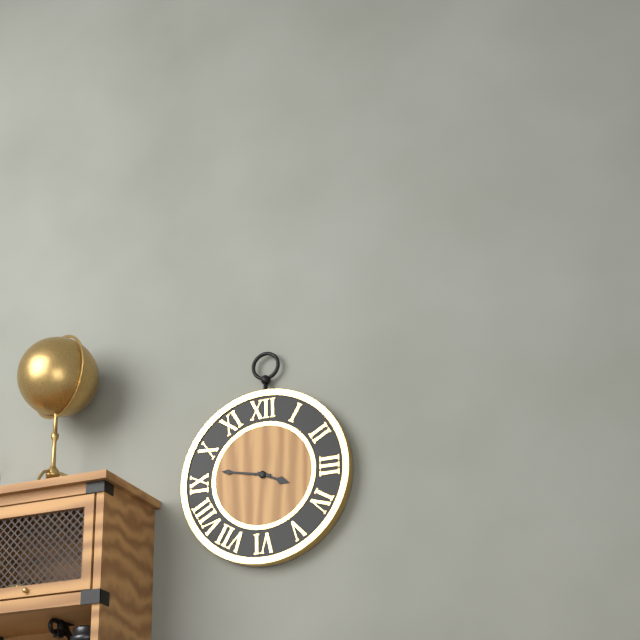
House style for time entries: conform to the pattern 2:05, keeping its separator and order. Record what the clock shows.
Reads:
3:47
